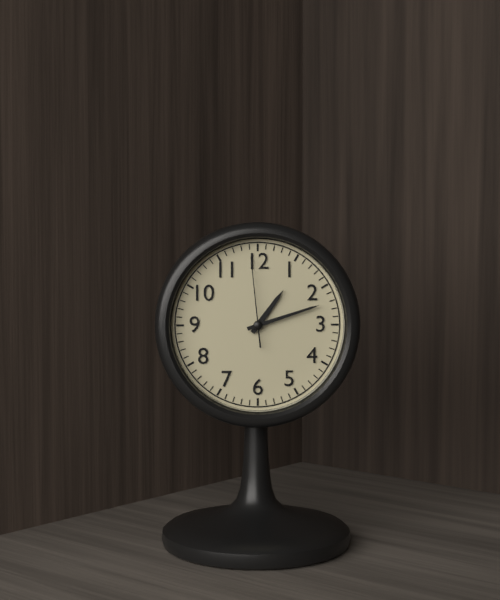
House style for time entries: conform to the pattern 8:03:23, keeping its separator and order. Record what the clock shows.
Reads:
1:12:59
